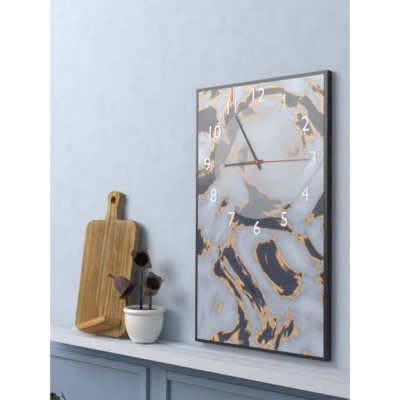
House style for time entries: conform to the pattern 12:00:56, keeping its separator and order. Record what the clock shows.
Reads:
8:55:15
